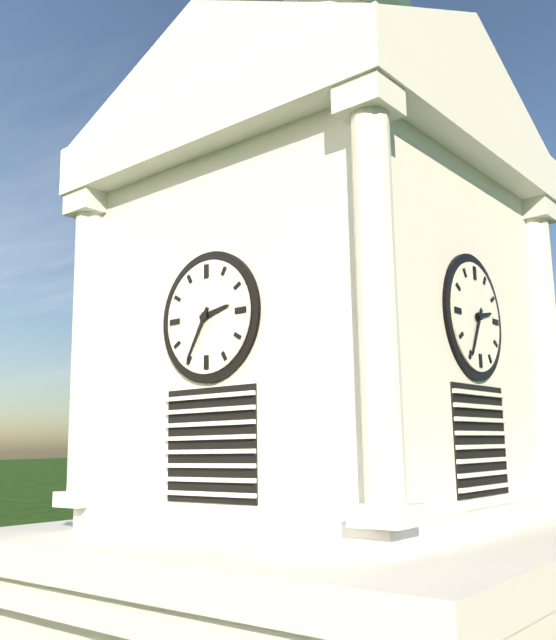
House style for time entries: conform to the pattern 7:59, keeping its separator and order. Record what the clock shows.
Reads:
2:35
